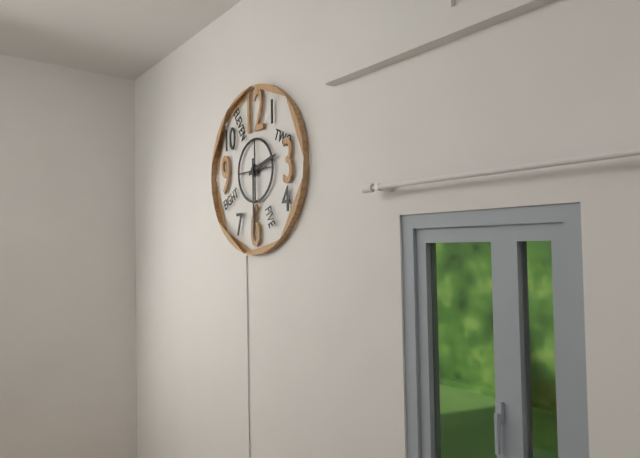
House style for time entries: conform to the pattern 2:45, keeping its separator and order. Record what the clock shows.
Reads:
2:30
